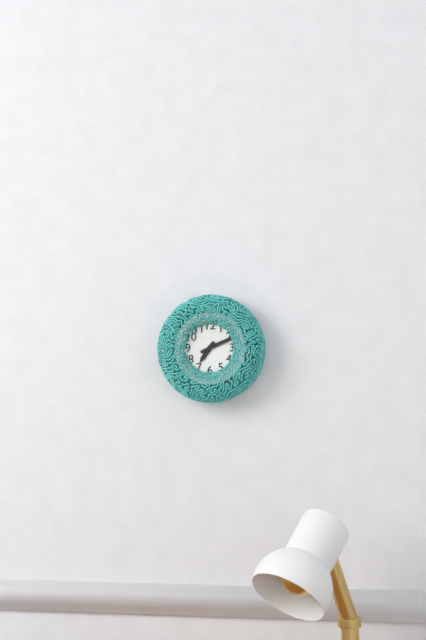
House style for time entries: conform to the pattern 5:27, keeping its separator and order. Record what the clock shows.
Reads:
7:11
